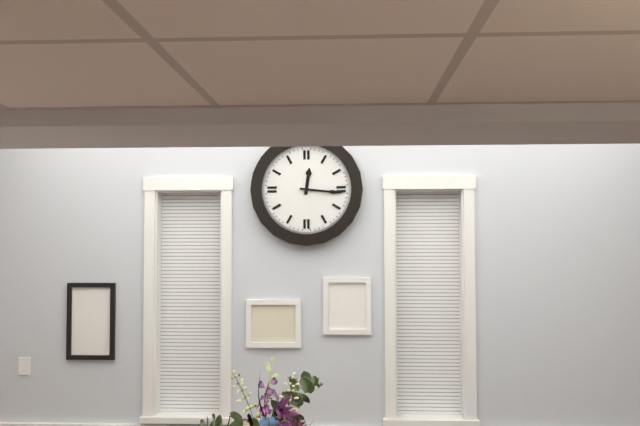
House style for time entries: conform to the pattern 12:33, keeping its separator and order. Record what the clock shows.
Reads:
12:16
